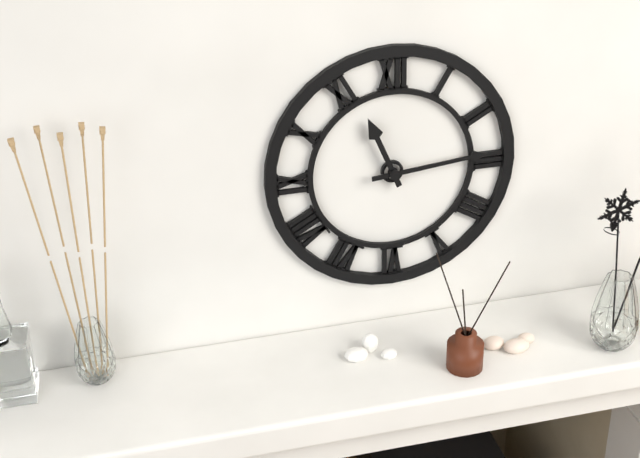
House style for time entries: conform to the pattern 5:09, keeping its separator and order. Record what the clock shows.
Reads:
11:14
